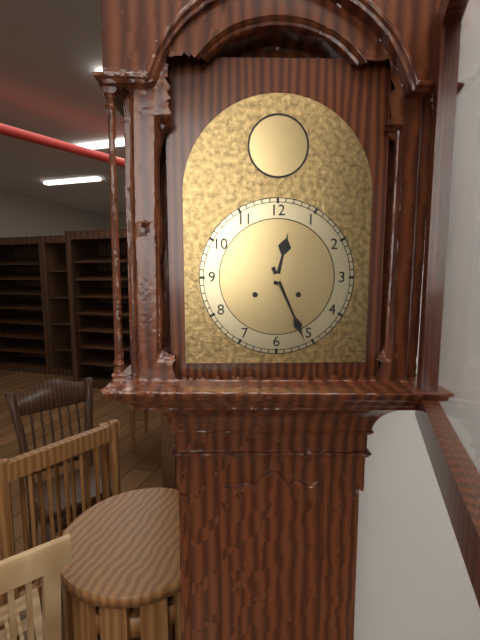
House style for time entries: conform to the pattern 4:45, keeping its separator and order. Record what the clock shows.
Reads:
12:26
